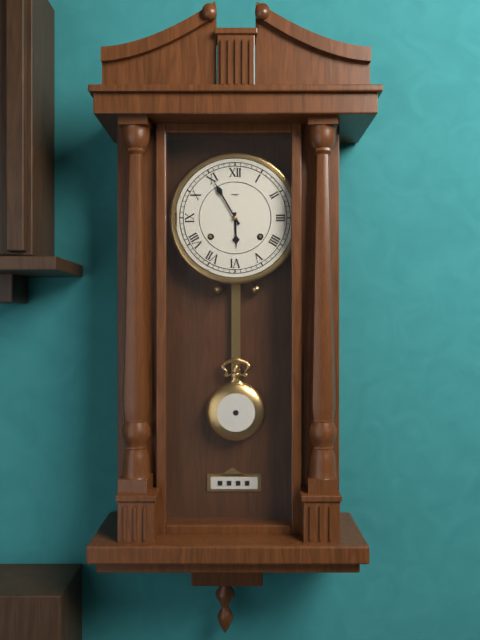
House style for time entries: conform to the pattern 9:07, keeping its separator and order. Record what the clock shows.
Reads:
5:55
